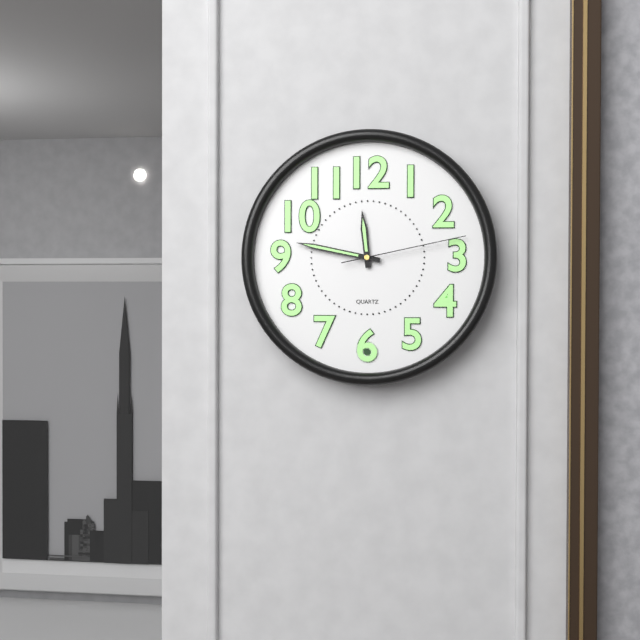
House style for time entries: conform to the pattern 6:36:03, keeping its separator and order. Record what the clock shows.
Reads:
11:47:13
